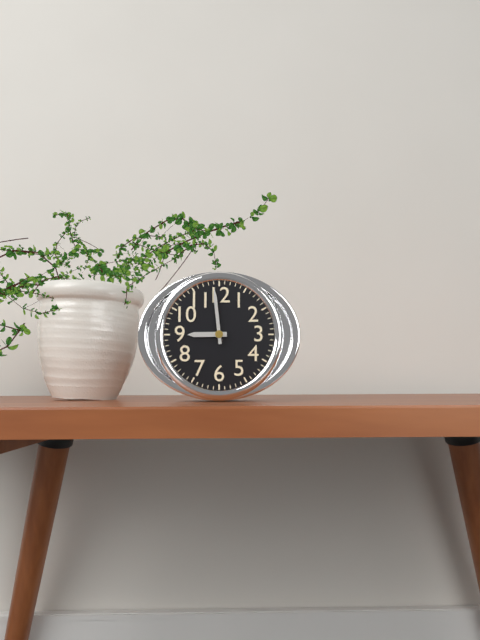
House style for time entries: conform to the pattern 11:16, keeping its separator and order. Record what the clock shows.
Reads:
8:59
